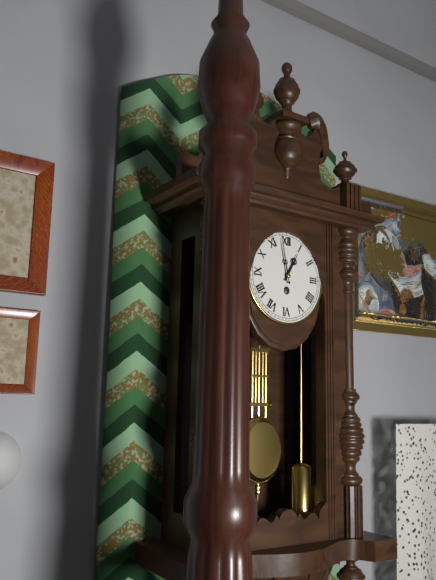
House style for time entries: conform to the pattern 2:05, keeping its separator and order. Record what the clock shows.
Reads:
12:58
